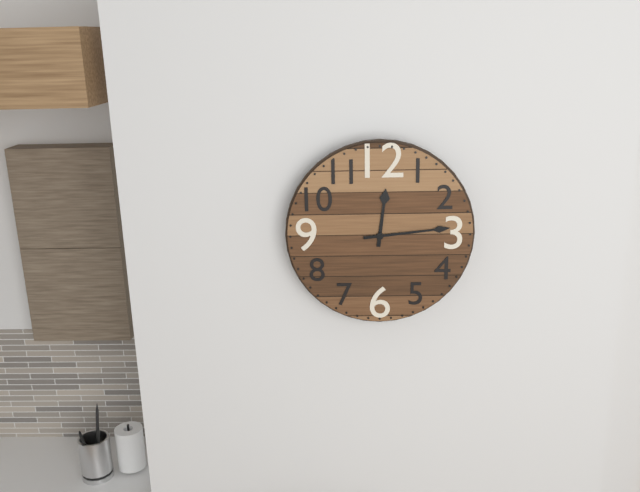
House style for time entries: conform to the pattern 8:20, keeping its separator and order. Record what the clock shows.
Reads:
12:14
